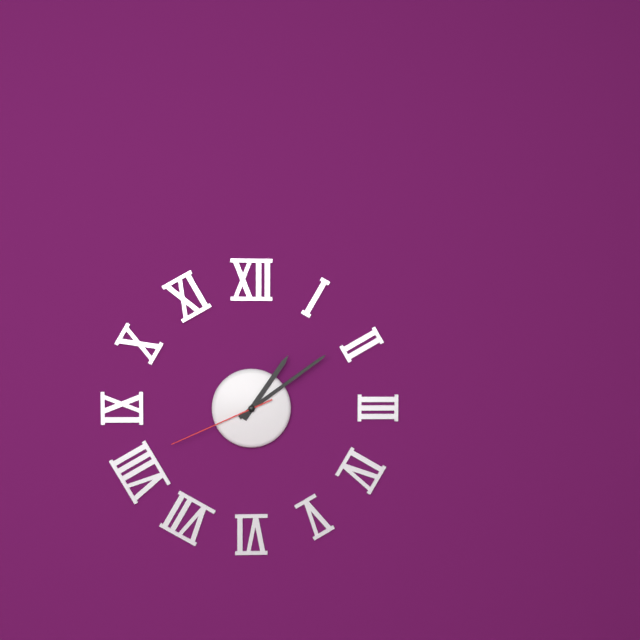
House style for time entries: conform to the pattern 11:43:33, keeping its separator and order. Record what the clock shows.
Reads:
1:09:41
